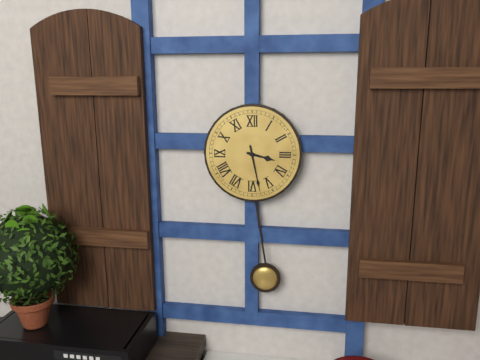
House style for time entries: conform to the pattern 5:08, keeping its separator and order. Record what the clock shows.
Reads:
3:28
